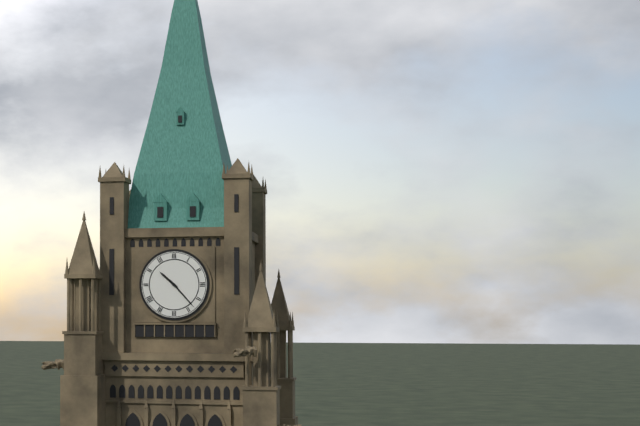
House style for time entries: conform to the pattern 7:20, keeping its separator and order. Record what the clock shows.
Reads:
10:23
